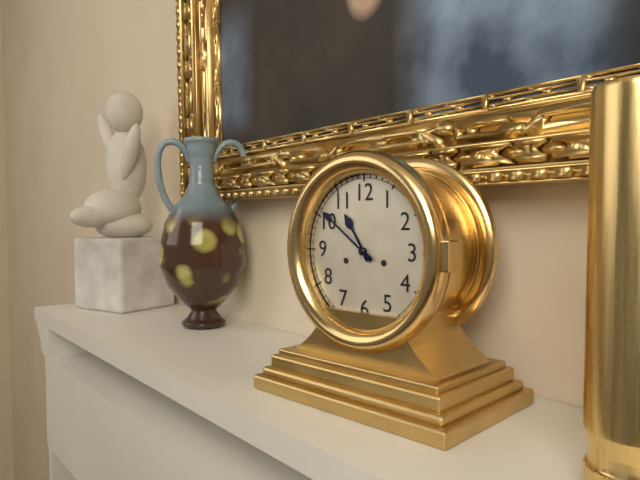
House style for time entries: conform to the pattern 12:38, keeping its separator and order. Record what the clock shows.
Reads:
10:51
